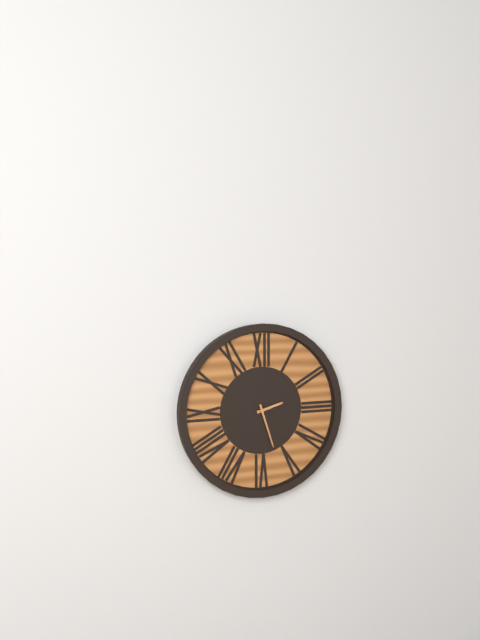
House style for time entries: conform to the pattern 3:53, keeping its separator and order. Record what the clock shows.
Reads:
2:27
